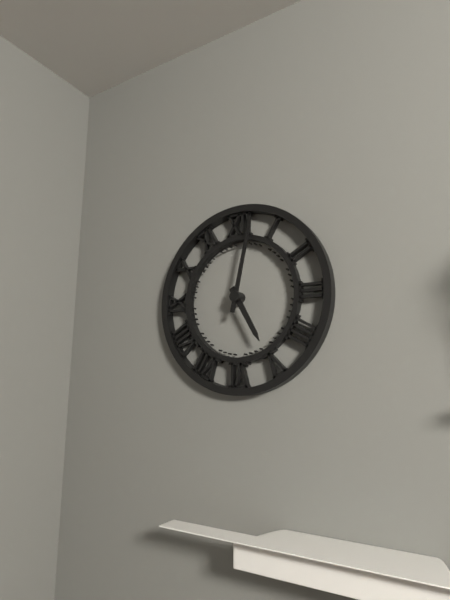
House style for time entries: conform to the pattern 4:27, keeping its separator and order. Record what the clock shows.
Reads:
5:02
